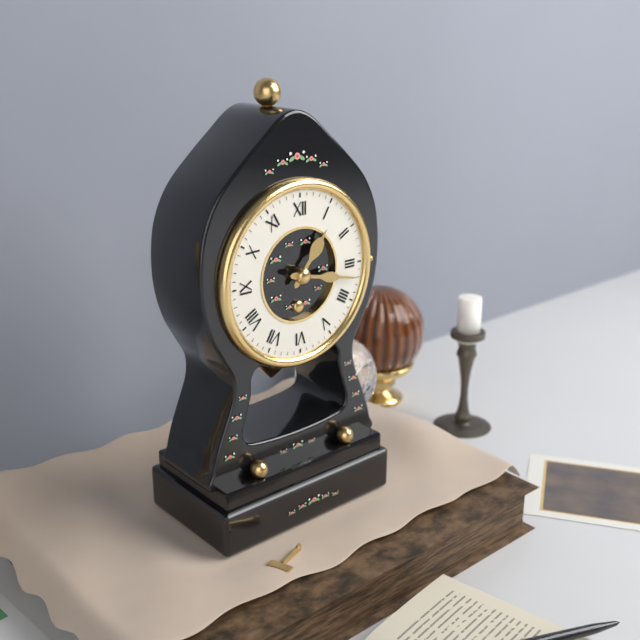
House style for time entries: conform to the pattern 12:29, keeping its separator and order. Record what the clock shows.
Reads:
1:17
